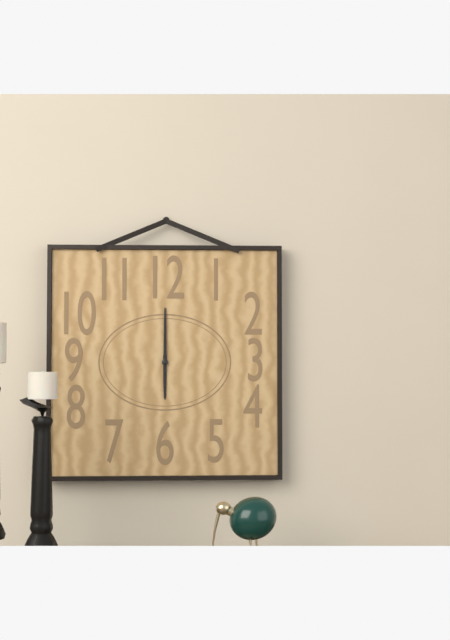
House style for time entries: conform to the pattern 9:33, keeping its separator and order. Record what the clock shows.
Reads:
6:00
